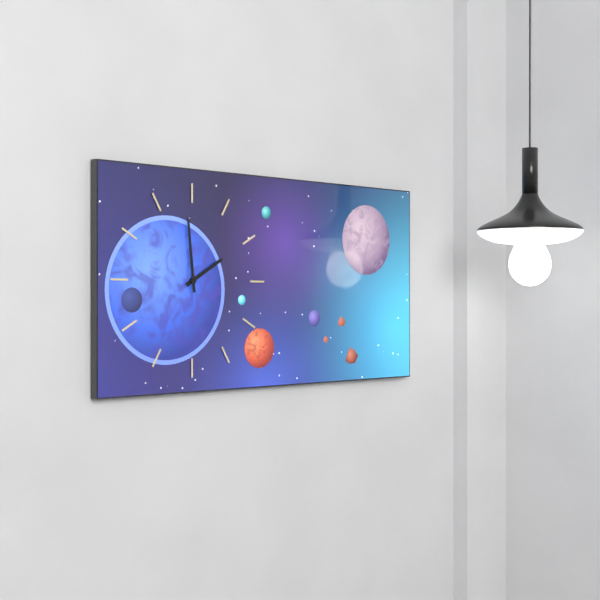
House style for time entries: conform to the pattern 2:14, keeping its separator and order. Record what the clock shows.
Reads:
1:59
